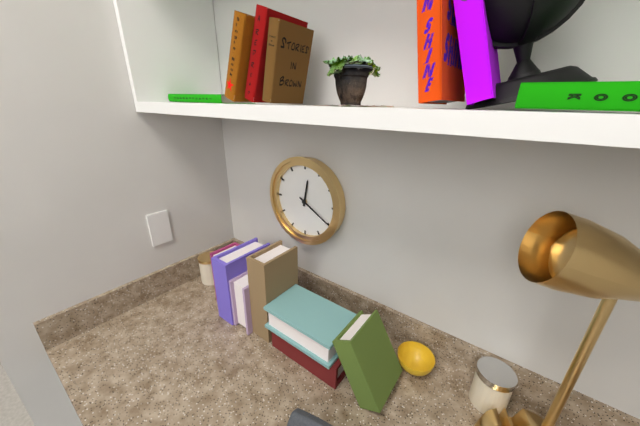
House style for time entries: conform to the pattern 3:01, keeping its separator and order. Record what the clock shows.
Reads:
12:20
